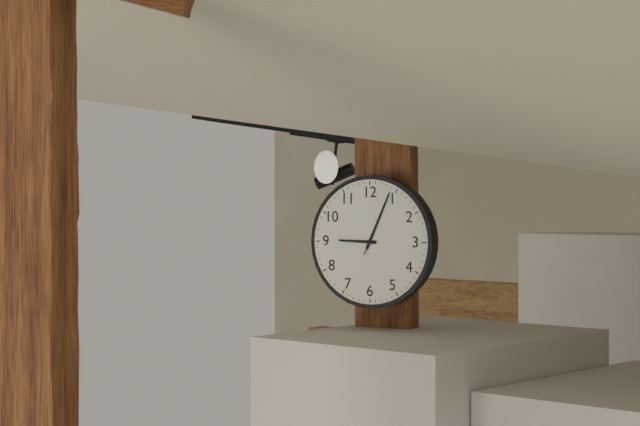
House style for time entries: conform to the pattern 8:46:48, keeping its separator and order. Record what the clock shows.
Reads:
9:04:04
